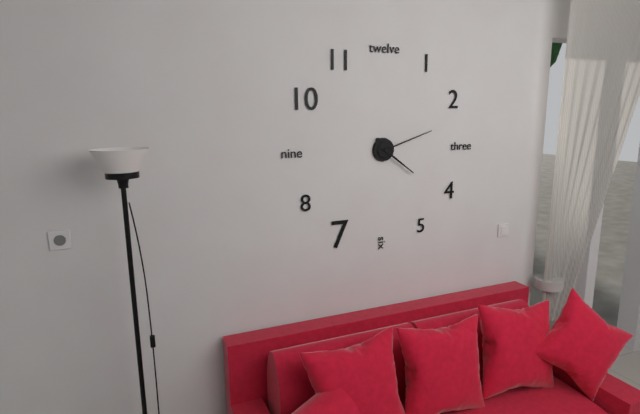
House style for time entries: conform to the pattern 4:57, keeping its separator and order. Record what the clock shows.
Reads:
4:12
